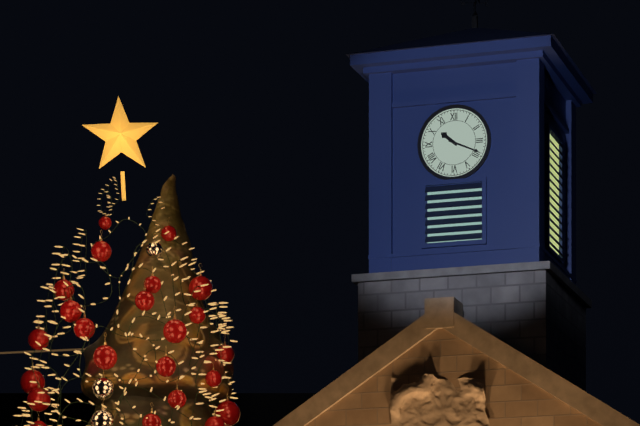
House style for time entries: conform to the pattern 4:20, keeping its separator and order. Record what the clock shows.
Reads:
10:19
